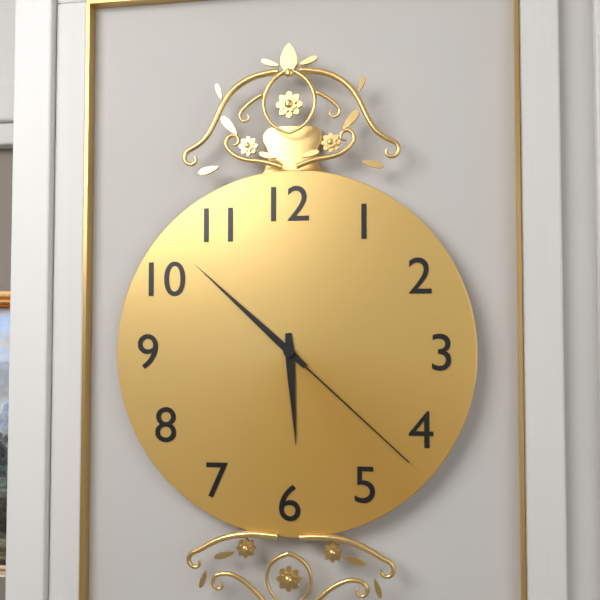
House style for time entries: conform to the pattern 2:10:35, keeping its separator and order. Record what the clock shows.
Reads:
5:52:22
